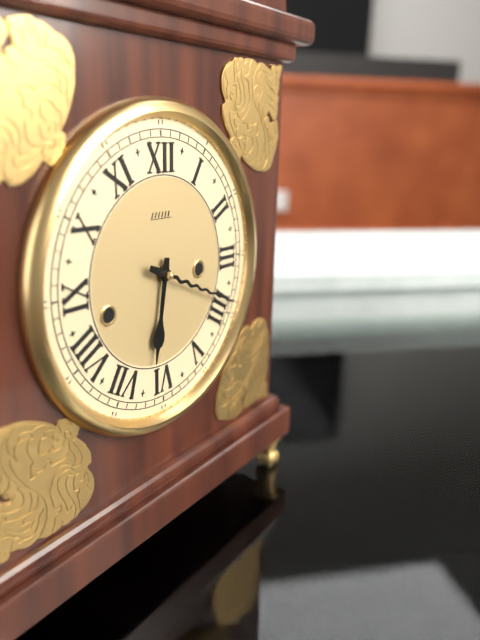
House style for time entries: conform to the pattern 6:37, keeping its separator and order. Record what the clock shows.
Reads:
6:19
